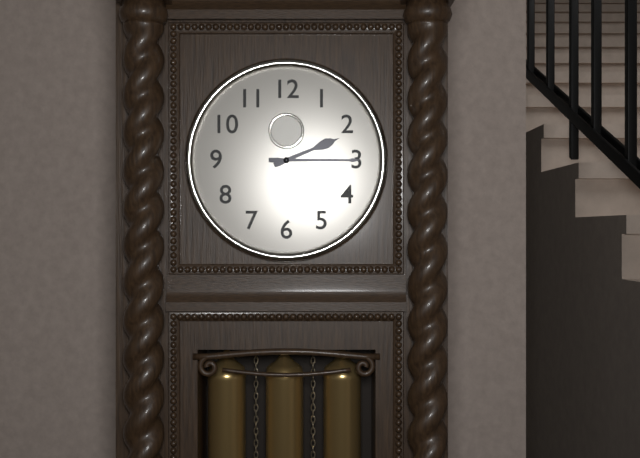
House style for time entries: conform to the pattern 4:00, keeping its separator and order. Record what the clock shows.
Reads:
2:15
